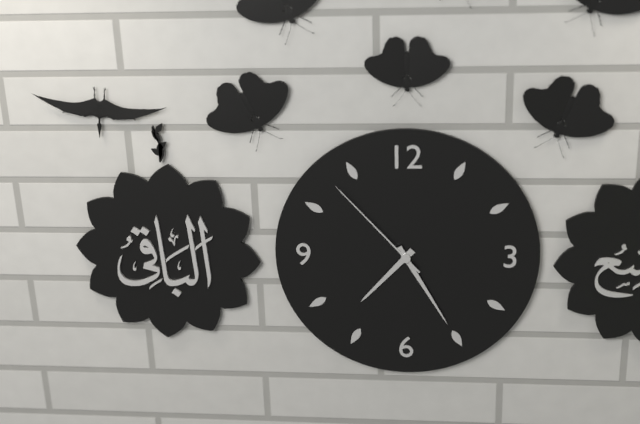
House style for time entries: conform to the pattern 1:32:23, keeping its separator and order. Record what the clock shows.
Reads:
7:25:53
